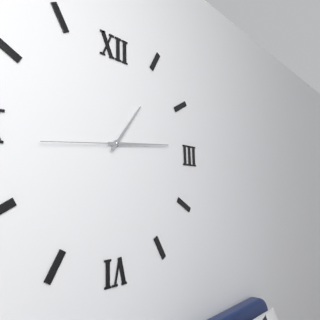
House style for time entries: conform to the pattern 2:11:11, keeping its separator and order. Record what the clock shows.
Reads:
1:14:44
